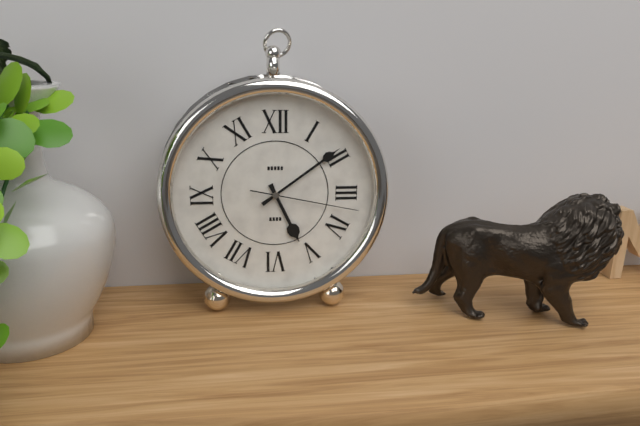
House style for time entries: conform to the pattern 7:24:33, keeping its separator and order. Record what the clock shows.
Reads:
5:09:17
